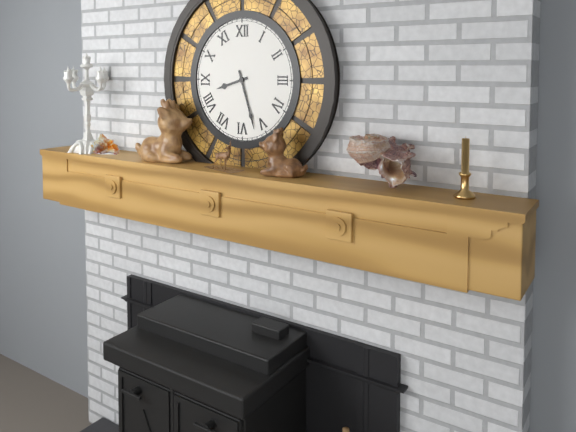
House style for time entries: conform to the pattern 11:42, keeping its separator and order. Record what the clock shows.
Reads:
8:27
